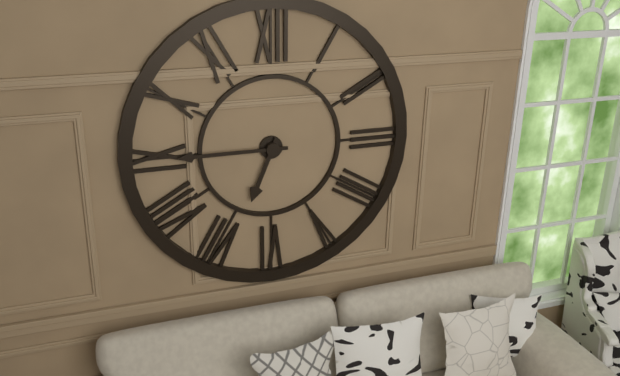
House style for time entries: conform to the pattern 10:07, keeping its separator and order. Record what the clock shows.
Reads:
6:45
